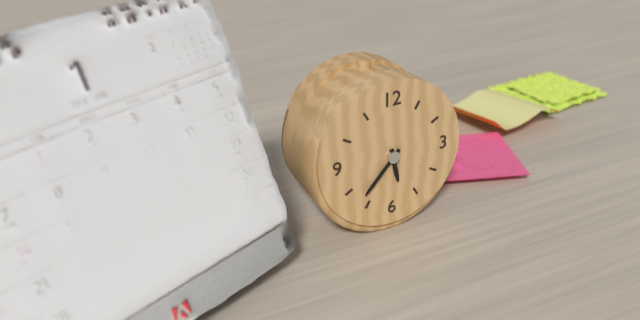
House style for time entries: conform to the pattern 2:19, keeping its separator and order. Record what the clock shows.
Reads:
5:37
